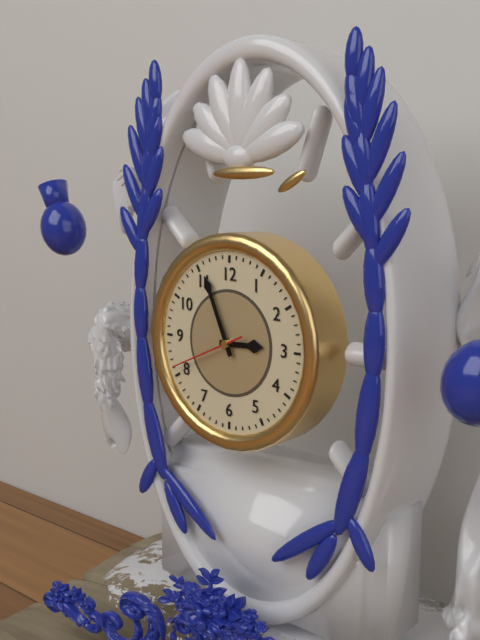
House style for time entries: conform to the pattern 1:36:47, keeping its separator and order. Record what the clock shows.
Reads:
2:56:41
